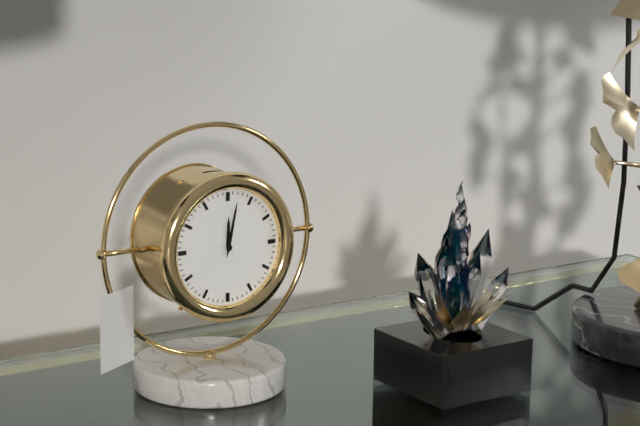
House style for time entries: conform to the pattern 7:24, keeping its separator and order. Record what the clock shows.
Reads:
12:02
